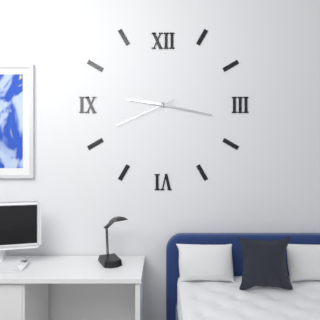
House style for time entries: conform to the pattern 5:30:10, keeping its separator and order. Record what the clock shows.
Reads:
9:17:41
